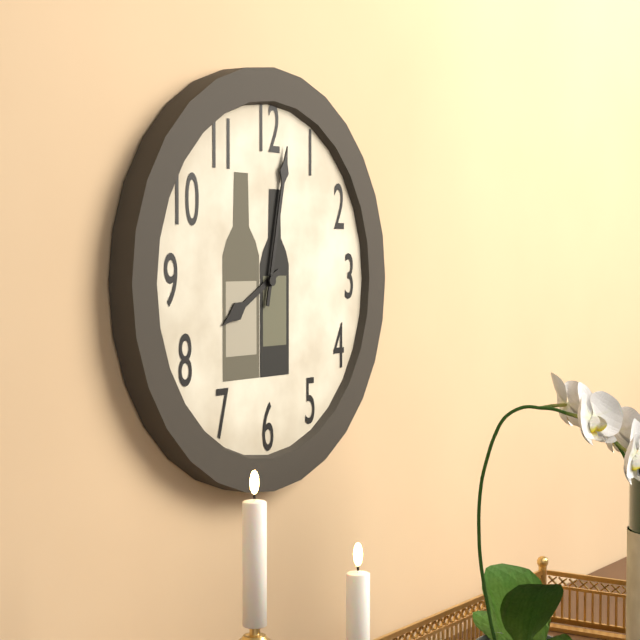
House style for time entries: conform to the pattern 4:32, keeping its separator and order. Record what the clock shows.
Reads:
8:02
